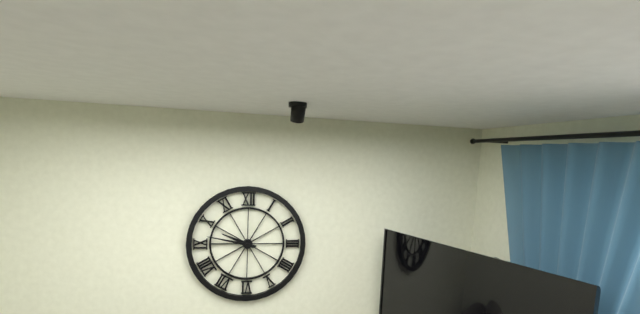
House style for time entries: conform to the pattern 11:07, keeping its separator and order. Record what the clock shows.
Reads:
9:47
